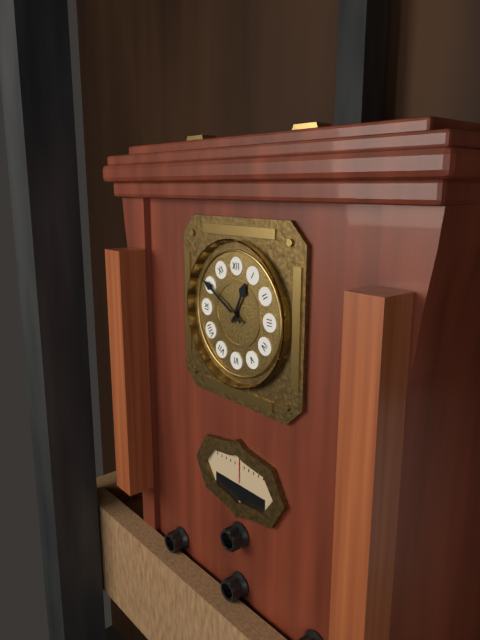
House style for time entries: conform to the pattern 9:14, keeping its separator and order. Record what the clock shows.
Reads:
12:50
